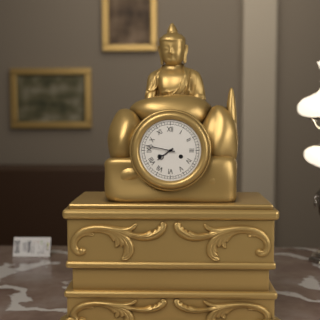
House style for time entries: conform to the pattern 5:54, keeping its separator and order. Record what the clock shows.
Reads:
7:47
